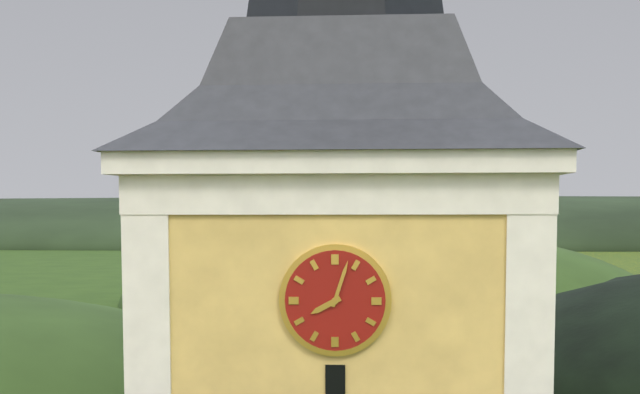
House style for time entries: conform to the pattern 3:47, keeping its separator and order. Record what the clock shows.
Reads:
8:03
